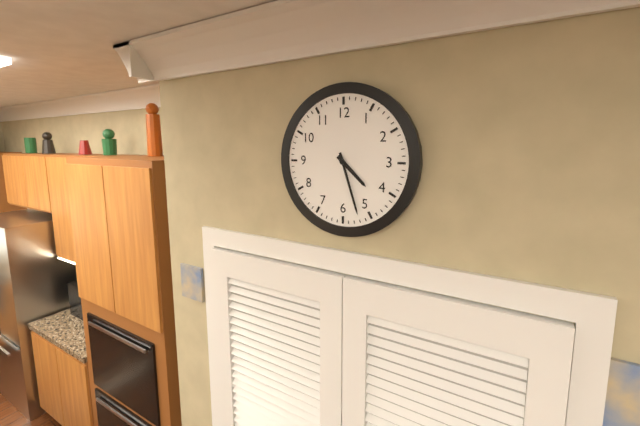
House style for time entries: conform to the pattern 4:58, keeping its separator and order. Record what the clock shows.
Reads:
4:27
